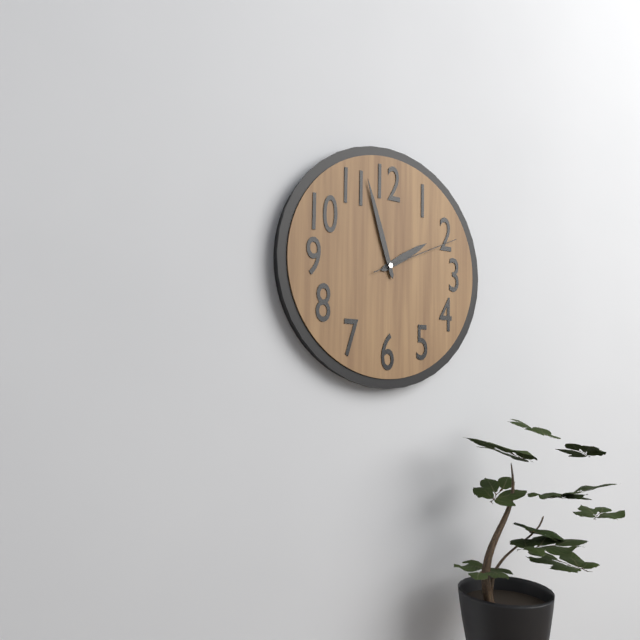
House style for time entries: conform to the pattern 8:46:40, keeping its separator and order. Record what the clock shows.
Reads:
1:57:11
